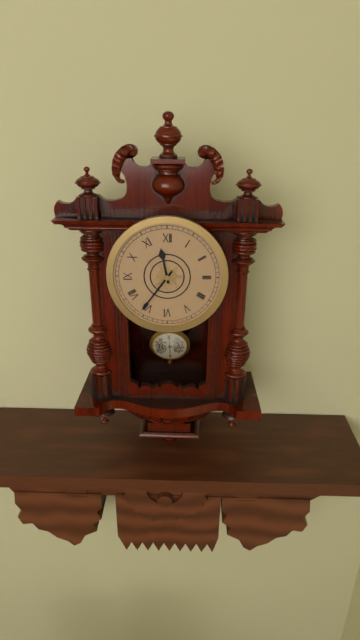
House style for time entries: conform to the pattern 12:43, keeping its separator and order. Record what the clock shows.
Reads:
11:36
